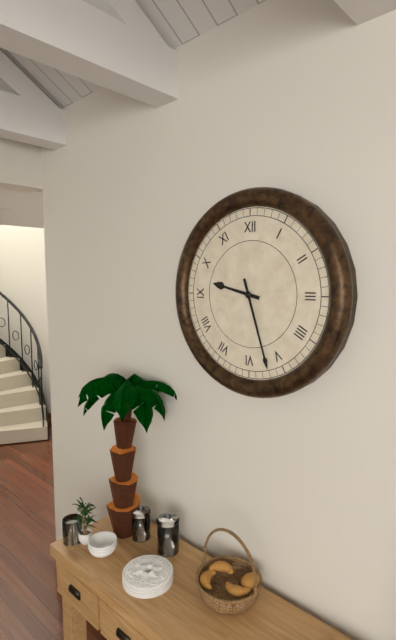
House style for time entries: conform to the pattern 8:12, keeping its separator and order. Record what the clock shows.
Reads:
9:27
